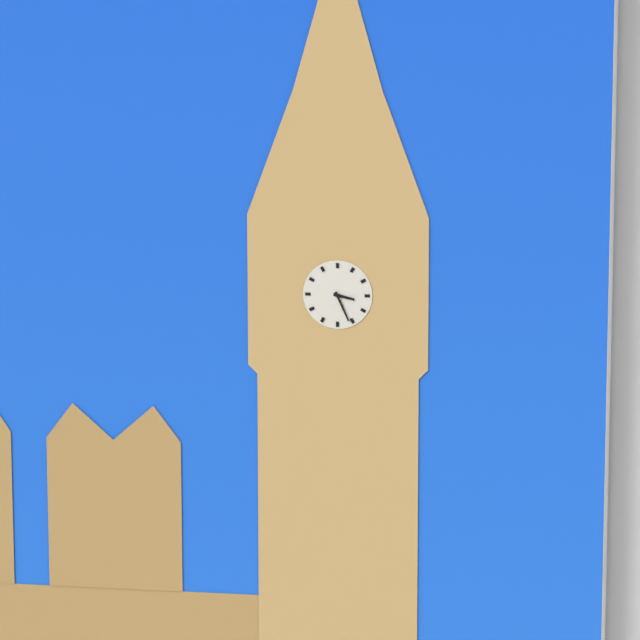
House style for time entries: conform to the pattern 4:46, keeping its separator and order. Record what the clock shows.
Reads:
3:26
